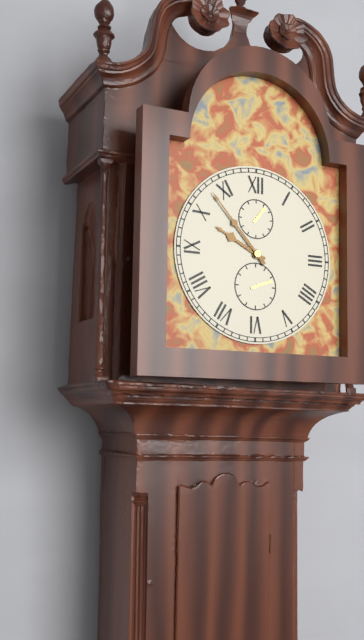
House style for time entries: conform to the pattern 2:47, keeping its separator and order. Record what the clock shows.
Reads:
9:53
